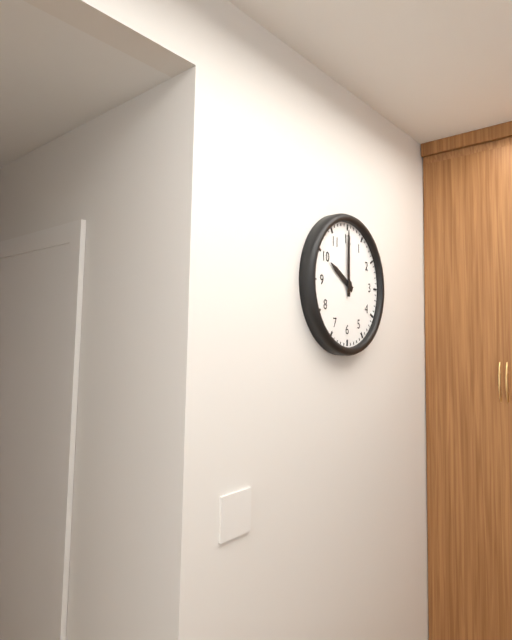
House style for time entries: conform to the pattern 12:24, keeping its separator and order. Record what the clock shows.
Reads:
10:00
